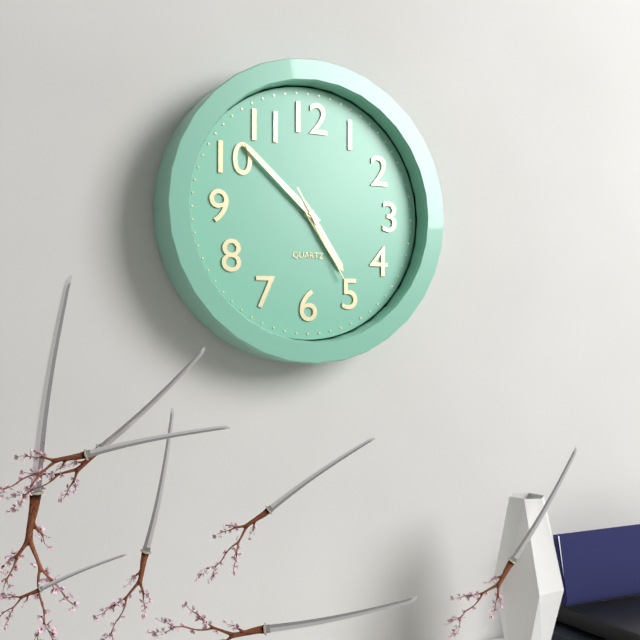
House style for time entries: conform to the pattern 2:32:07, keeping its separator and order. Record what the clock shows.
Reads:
4:52:25
